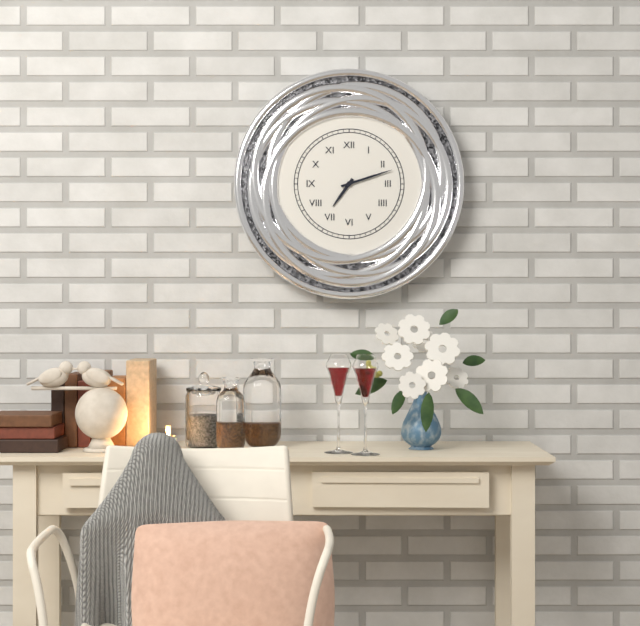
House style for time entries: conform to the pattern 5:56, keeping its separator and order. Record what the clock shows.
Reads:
7:12
